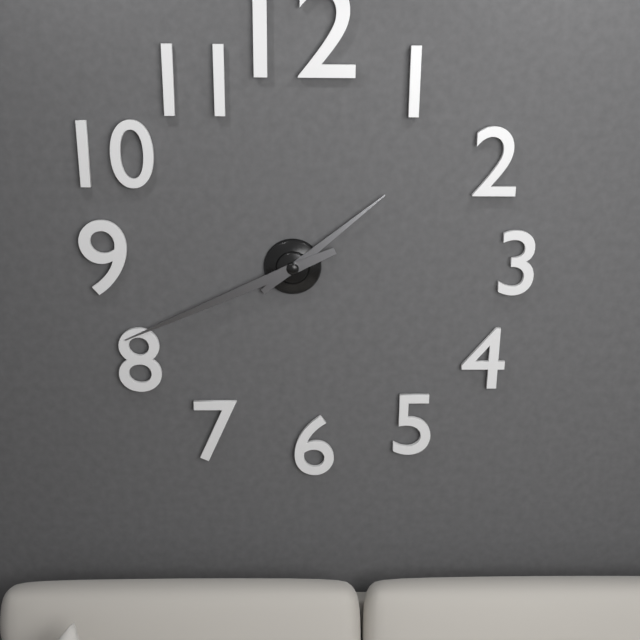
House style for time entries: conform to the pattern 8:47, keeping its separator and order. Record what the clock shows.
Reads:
1:41
